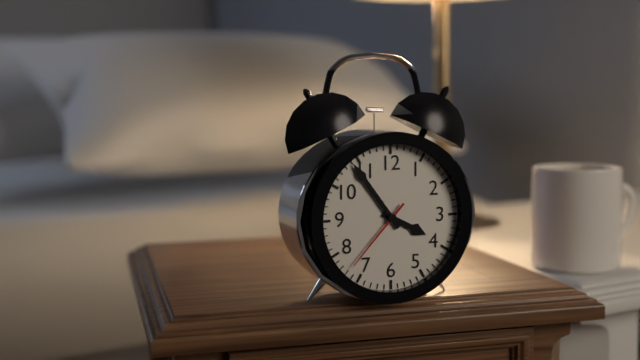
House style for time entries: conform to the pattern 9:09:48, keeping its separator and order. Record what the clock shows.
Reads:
3:54:37
